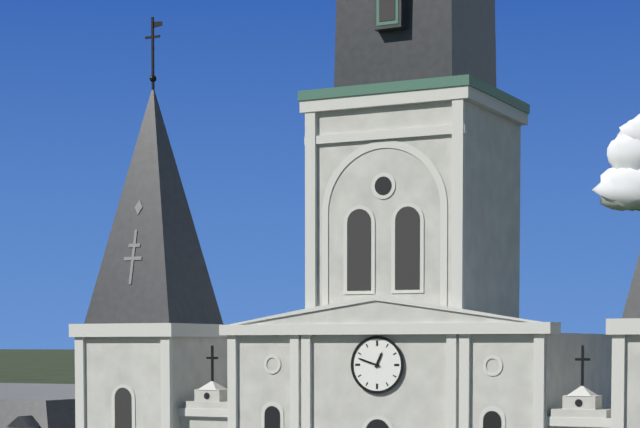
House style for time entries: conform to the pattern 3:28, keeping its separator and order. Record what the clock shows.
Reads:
12:48
